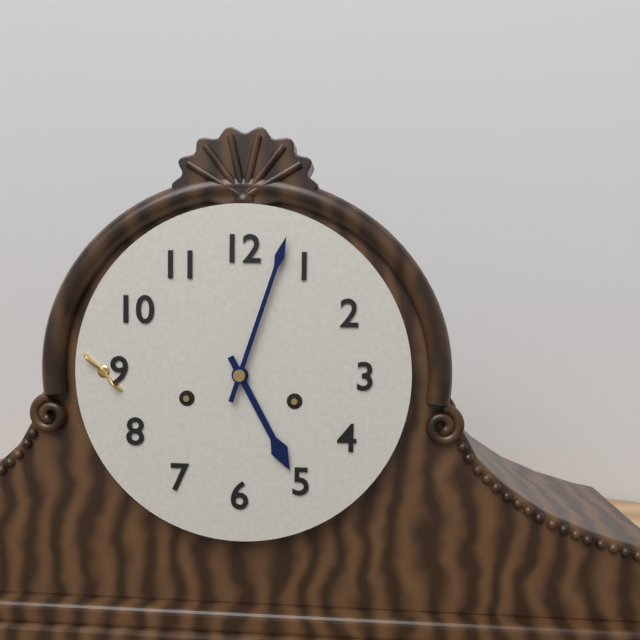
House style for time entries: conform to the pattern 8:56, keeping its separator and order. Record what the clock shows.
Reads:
5:03
